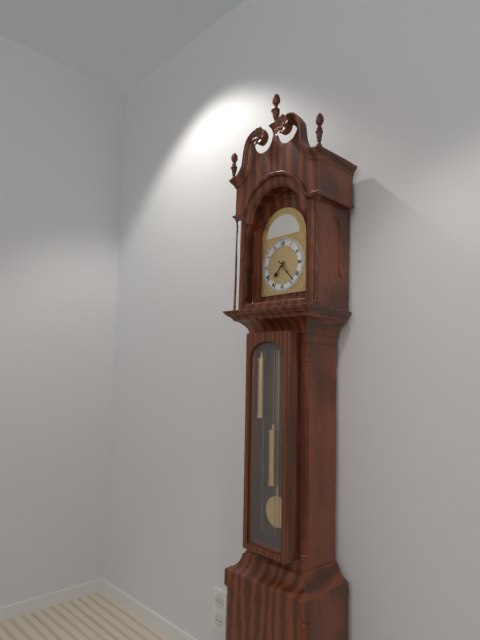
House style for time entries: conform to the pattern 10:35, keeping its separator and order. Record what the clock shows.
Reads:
7:23
